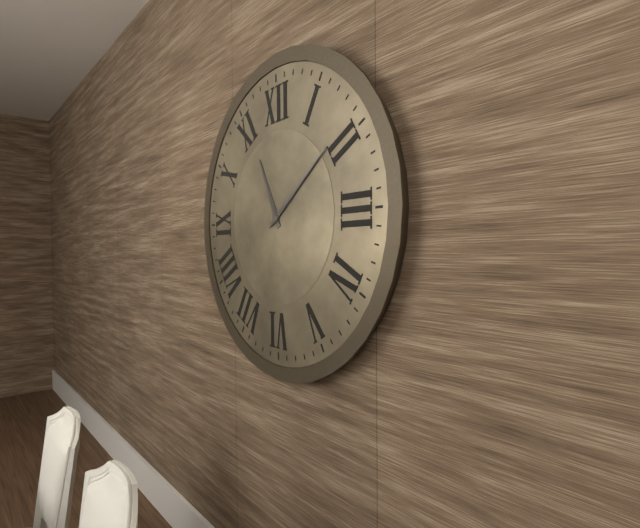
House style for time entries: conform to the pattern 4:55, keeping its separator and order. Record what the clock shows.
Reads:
11:09
